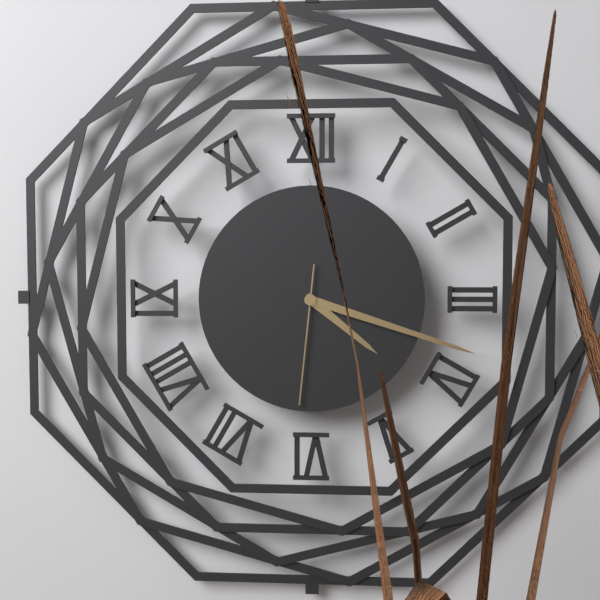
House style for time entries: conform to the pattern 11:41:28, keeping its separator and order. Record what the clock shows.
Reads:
4:18:31
